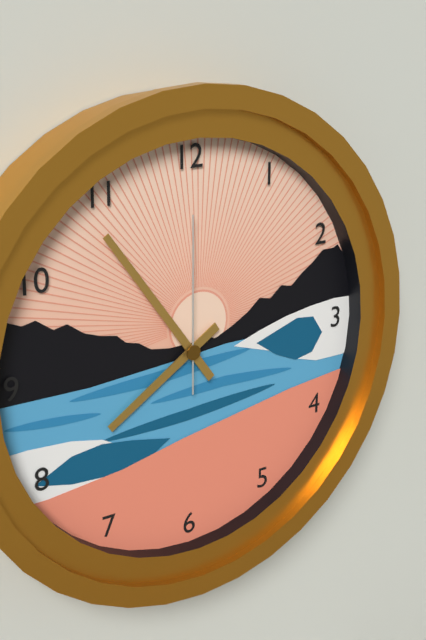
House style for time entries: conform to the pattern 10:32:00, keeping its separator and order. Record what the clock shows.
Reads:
7:54:00
